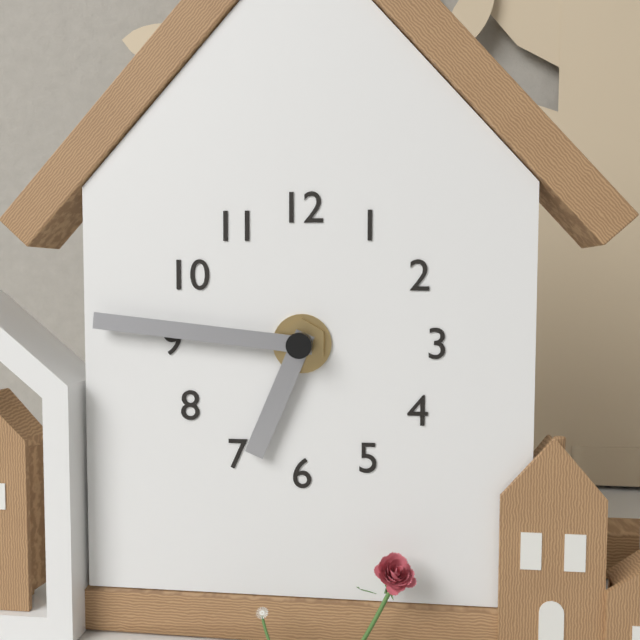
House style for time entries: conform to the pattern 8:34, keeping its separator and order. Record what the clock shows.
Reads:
6:46
